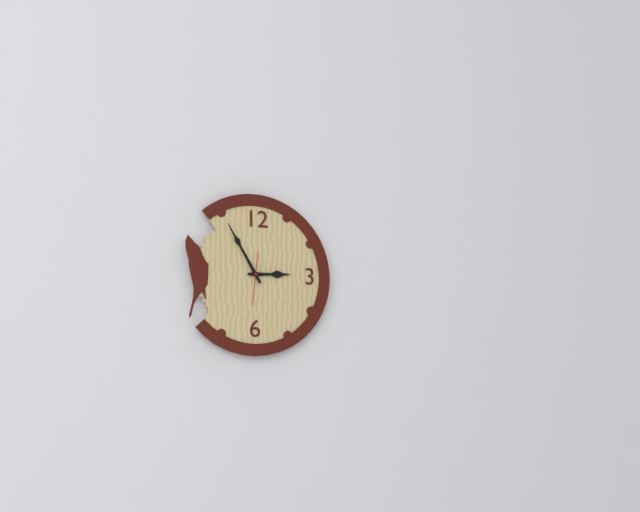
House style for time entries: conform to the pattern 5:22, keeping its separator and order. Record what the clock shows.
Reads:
2:55
